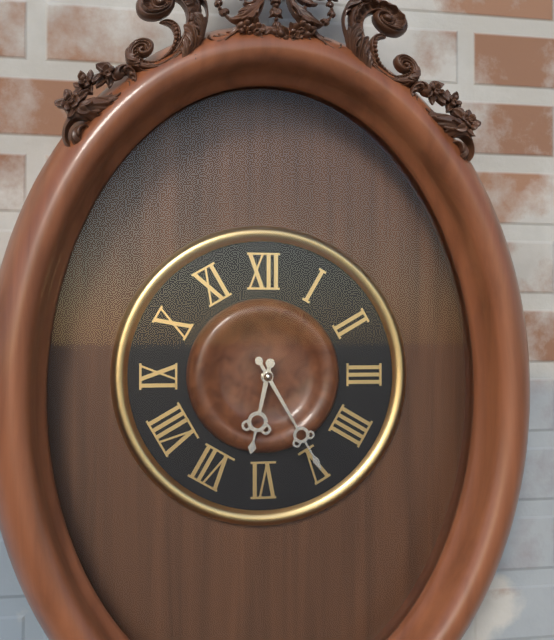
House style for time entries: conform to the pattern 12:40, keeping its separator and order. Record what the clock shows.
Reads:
6:25
